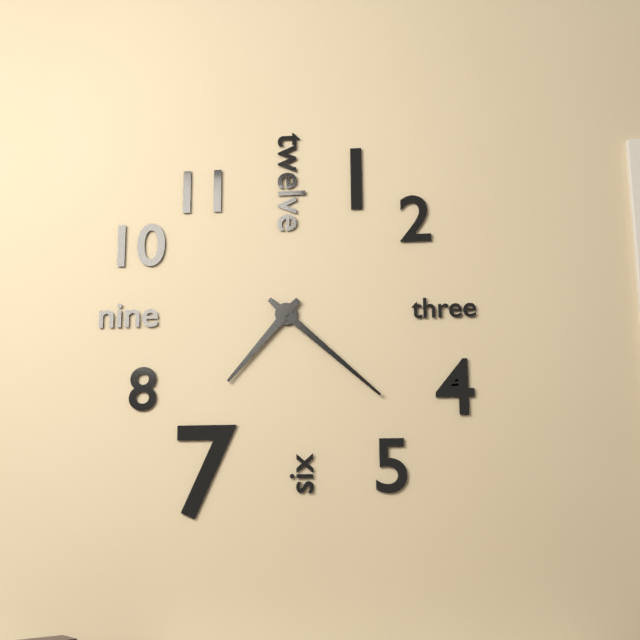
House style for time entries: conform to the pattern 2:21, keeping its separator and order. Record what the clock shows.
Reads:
7:22
